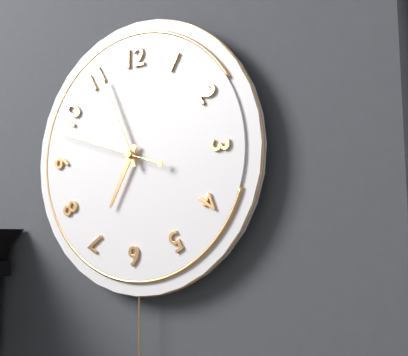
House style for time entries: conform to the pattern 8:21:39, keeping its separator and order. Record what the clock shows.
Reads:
6:56:48
